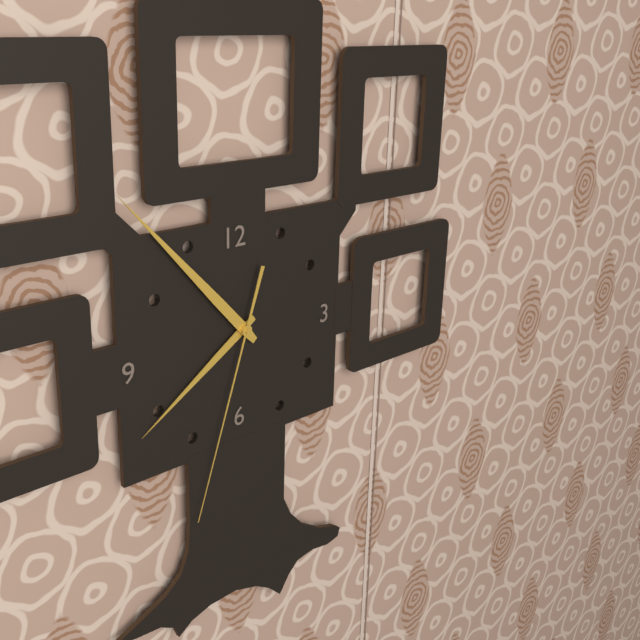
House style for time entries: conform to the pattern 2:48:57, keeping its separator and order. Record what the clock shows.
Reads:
7:53:33
